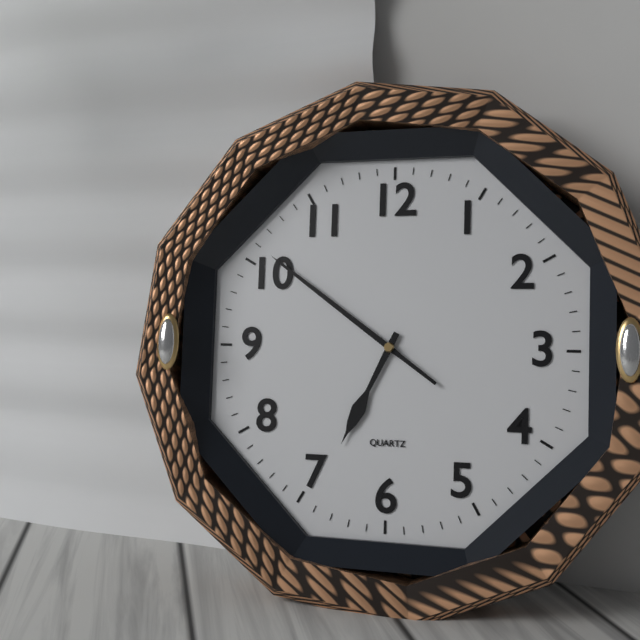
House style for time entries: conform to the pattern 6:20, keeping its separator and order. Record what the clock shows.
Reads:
6:51
